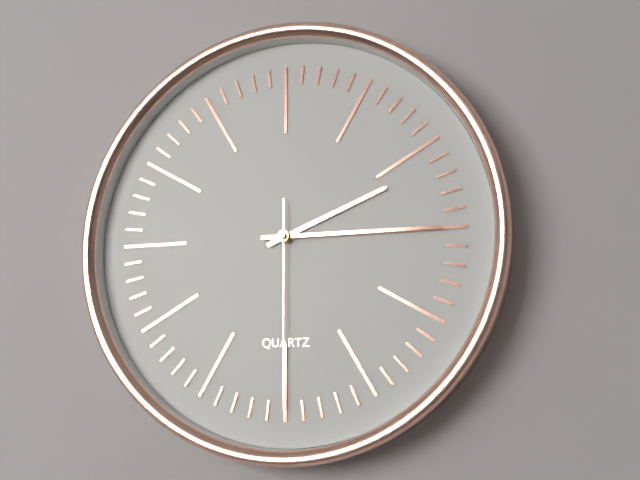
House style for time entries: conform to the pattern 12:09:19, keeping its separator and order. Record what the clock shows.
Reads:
2:15:30
